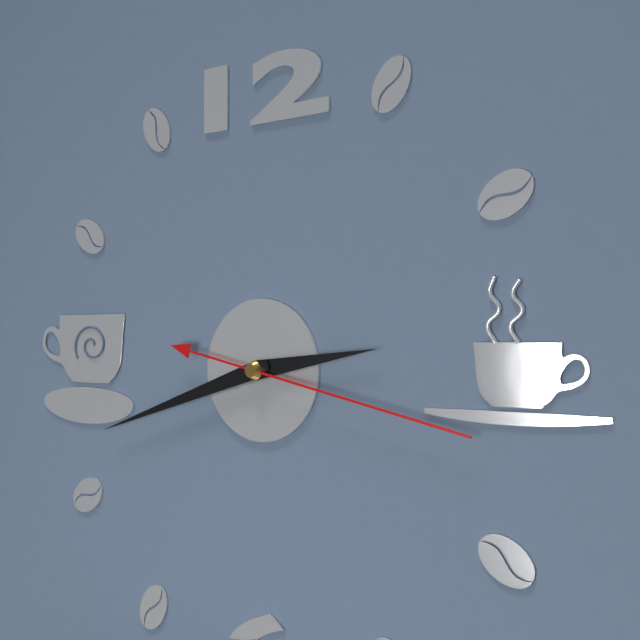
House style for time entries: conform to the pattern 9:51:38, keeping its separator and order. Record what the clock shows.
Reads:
2:42:17
